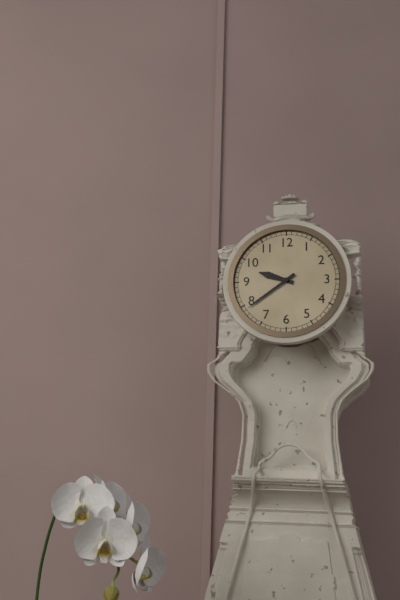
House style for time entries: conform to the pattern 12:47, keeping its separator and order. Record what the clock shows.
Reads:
9:39
